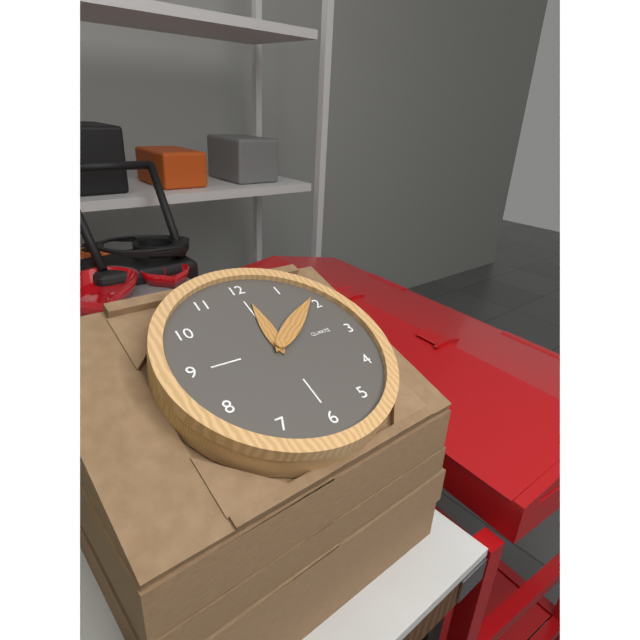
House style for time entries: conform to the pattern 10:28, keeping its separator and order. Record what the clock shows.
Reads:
12:09
